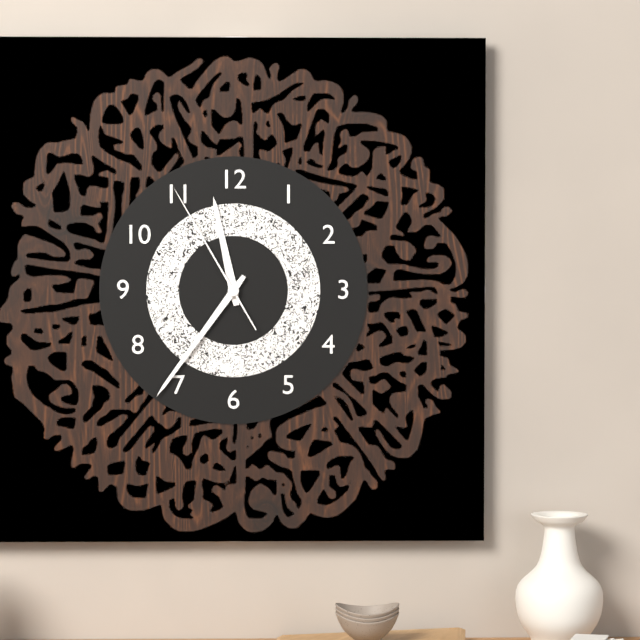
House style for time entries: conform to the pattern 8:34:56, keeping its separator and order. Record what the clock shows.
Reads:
11:36:55
